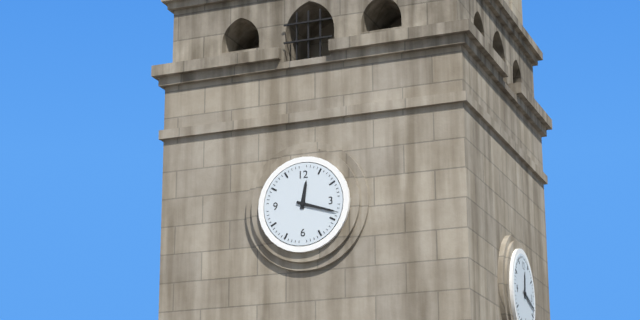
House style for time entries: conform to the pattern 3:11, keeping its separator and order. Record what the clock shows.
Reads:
12:18
